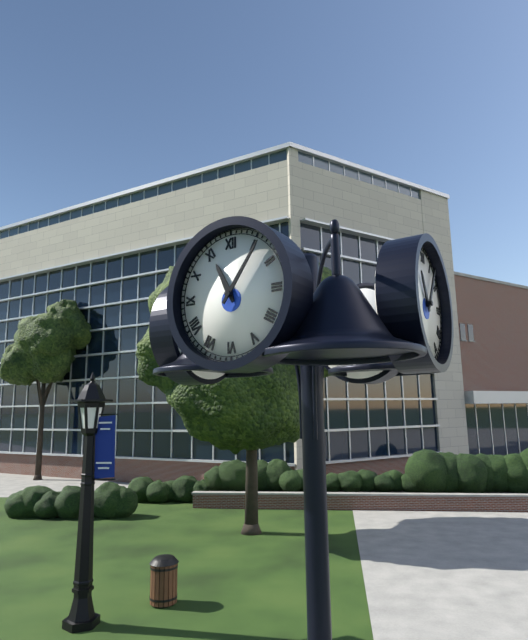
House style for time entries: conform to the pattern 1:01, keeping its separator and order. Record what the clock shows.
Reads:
11:06
